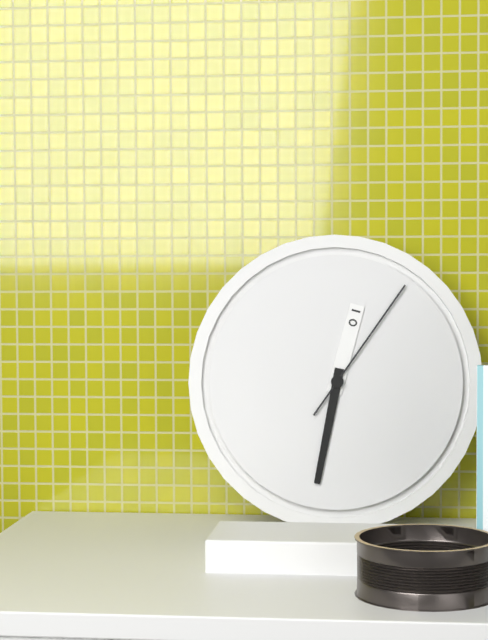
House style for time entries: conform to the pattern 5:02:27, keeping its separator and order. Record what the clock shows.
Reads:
12:32:06
